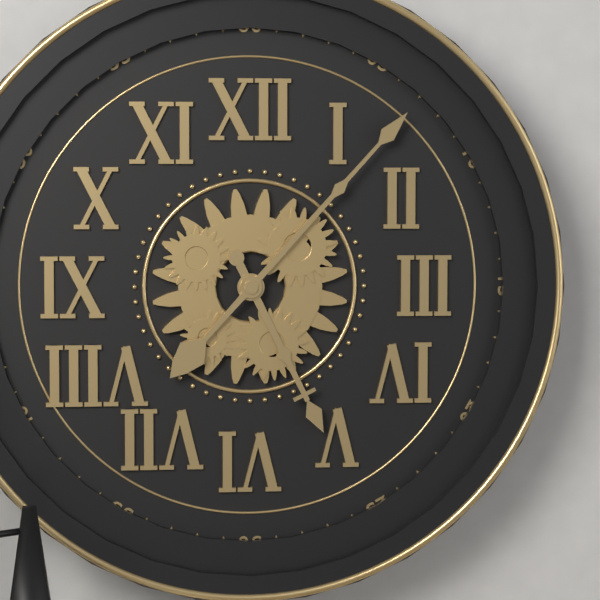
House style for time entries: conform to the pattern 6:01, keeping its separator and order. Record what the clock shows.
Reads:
5:07
